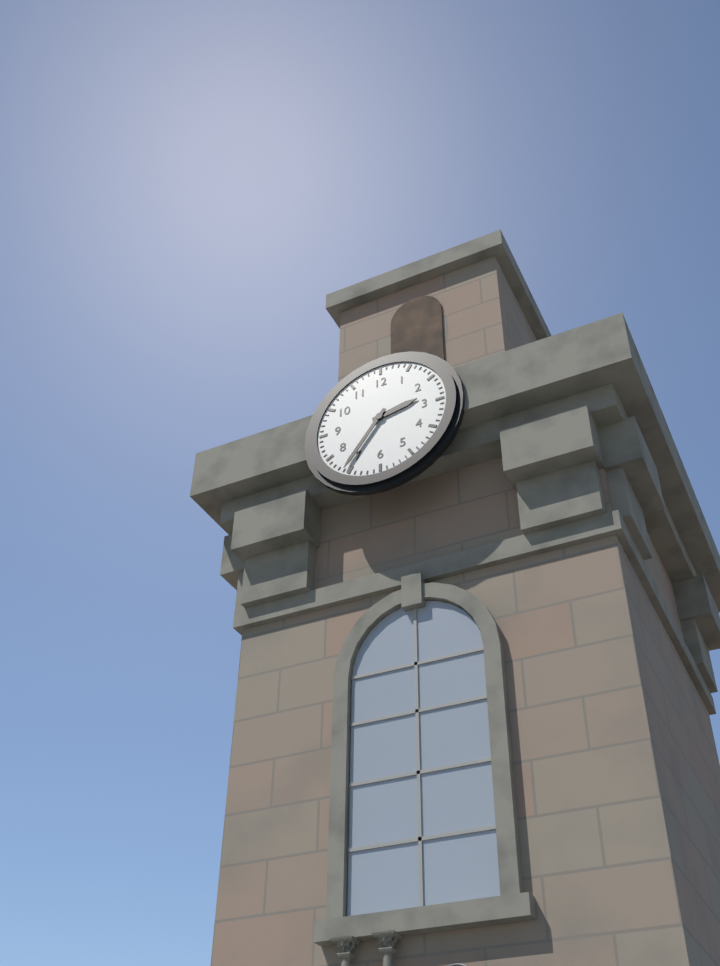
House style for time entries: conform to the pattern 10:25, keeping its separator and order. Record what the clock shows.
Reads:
2:36
